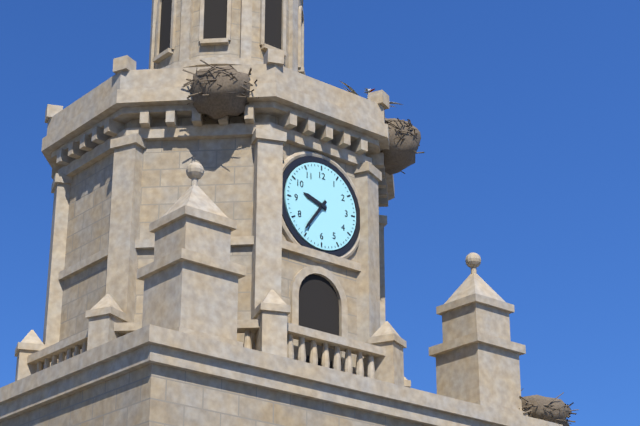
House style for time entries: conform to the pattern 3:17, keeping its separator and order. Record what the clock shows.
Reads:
9:36
